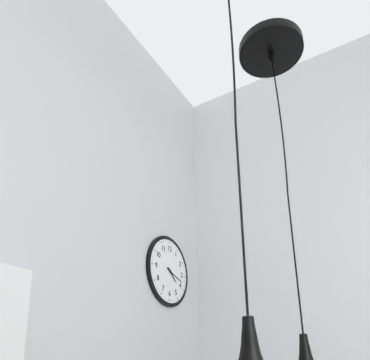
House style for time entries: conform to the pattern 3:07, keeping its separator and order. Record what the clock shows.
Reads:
4:18
